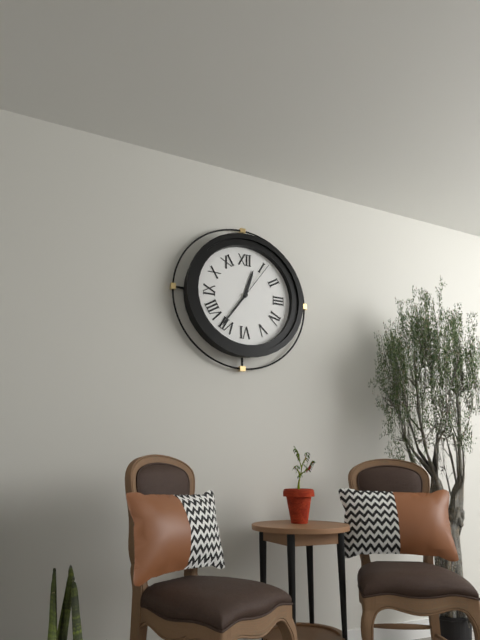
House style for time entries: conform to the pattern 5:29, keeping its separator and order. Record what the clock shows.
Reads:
12:36
